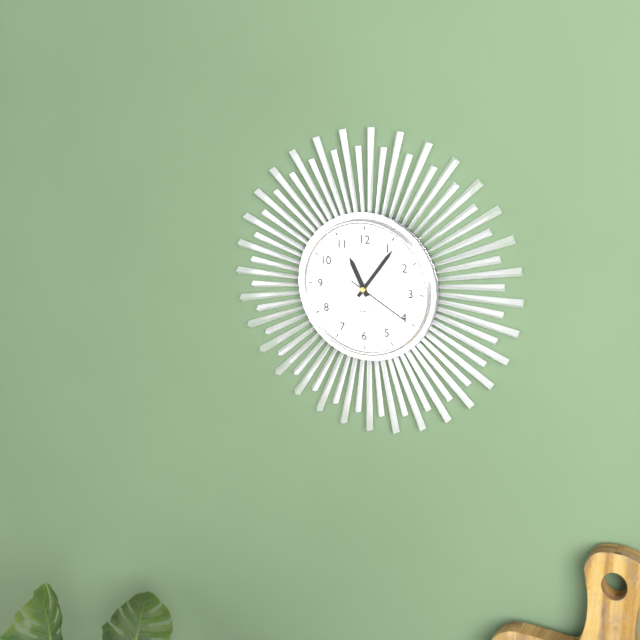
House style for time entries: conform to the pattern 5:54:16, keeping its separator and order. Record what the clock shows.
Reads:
11:06:20
